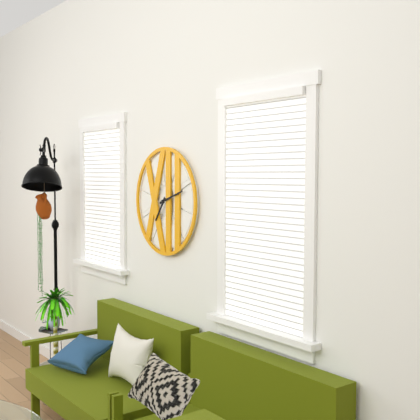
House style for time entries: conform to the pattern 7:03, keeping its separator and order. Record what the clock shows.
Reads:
7:12
